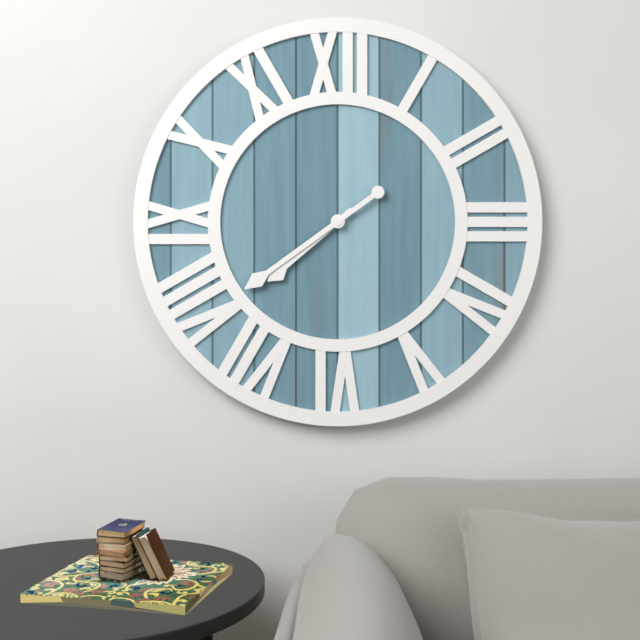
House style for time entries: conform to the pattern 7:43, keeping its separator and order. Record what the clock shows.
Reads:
7:39
